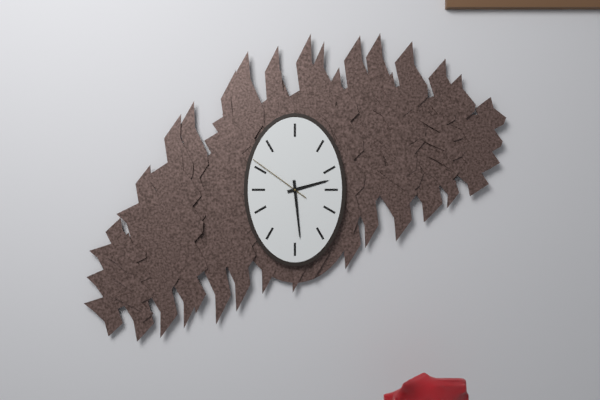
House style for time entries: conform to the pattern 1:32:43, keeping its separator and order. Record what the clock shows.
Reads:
2:29:51
